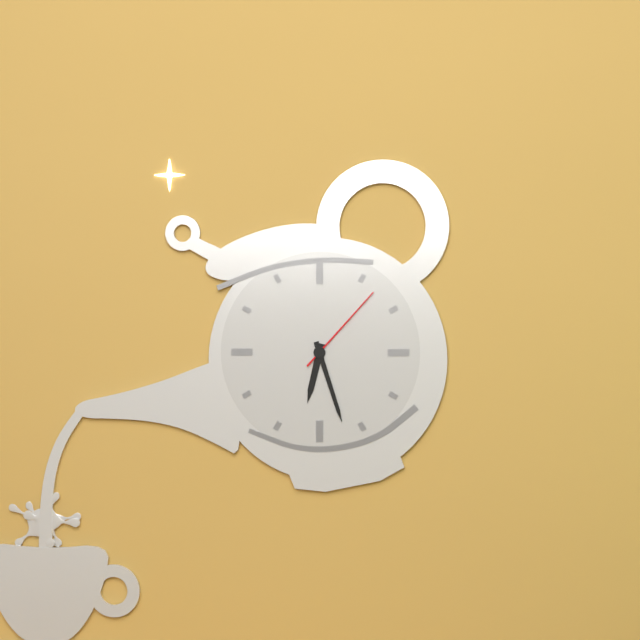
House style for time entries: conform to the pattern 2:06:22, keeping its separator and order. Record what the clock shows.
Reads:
6:27:07
